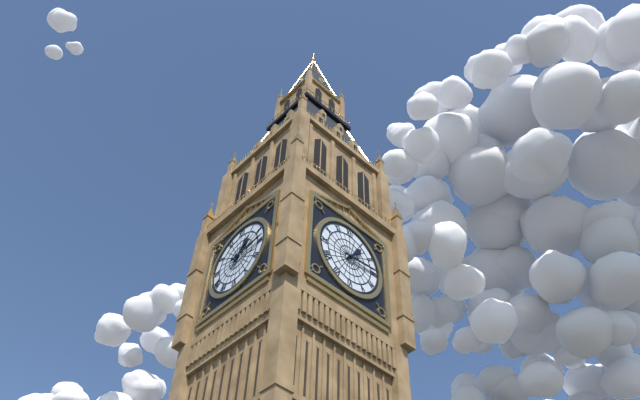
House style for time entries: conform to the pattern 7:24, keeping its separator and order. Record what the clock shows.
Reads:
1:14
